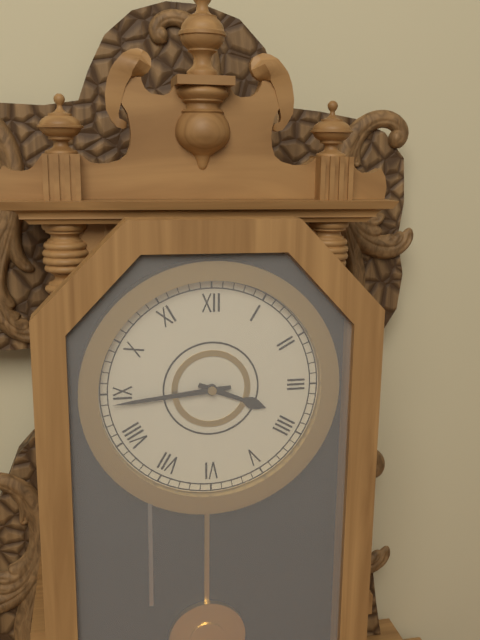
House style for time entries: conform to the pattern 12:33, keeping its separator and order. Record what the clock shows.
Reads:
3:44
